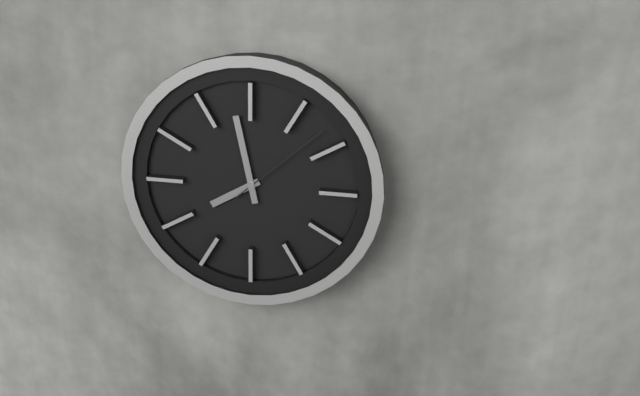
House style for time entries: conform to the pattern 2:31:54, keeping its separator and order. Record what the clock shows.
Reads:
7:58:08
